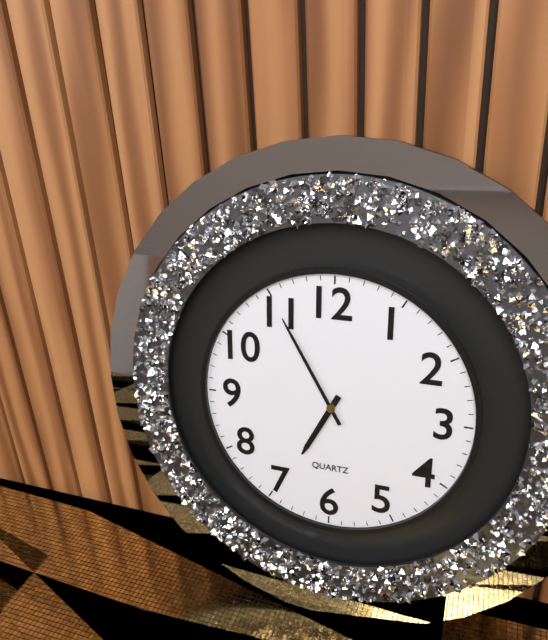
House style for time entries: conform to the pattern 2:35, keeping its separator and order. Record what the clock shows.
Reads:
6:55
